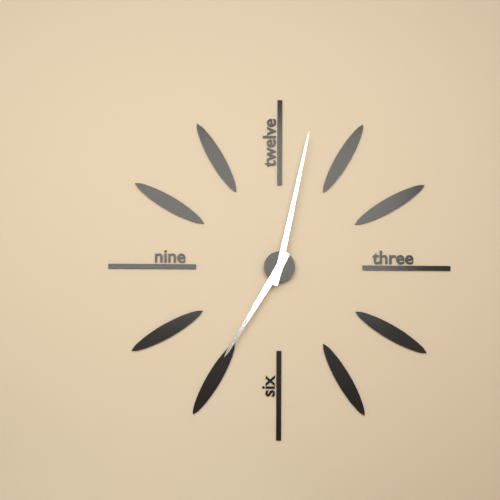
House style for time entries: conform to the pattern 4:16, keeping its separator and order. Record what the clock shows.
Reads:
7:02
